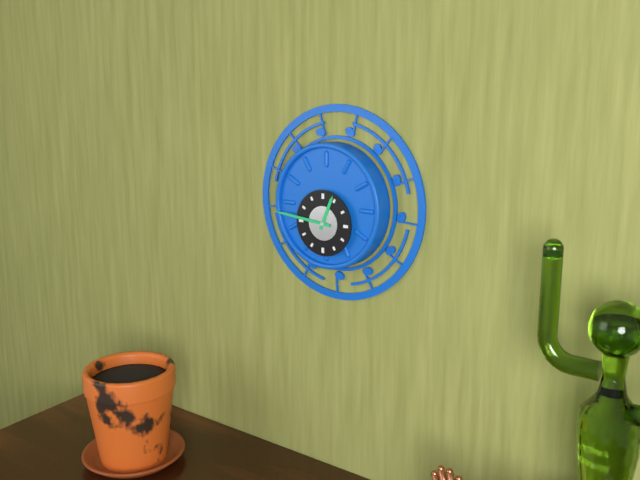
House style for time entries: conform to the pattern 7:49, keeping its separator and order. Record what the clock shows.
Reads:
12:46
